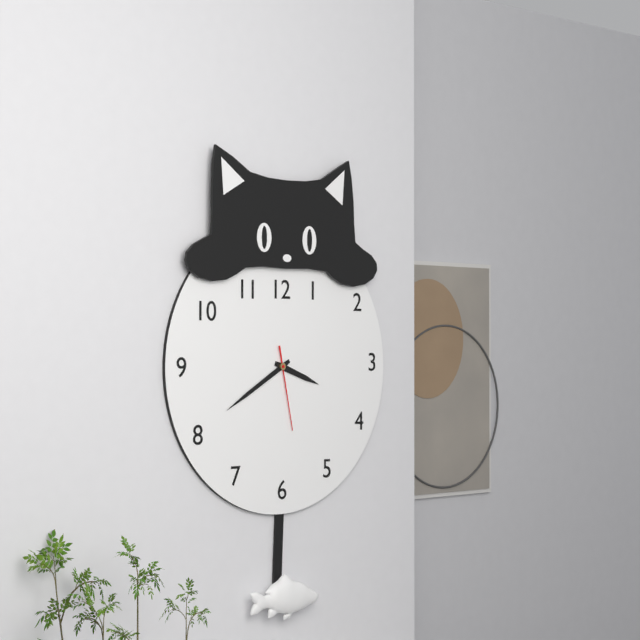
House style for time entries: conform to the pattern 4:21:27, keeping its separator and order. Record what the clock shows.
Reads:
3:40:28
